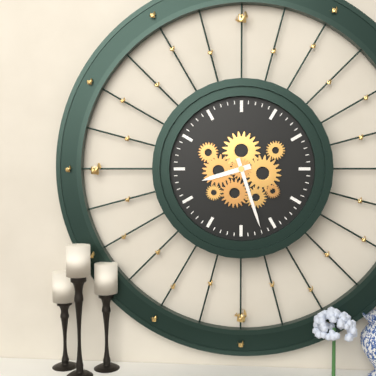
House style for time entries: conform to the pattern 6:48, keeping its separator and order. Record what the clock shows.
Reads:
8:27
